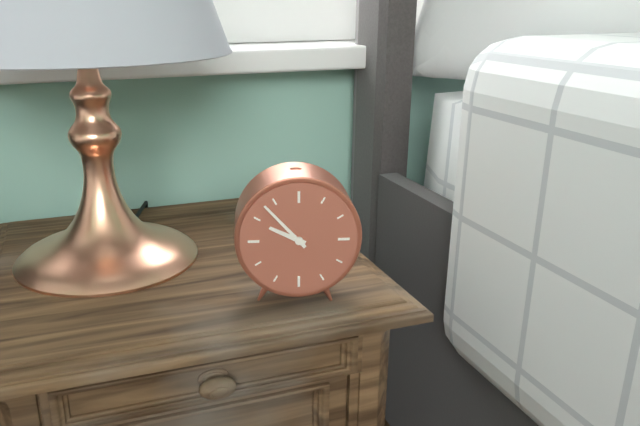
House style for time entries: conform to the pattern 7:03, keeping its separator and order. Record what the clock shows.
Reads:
9:53
